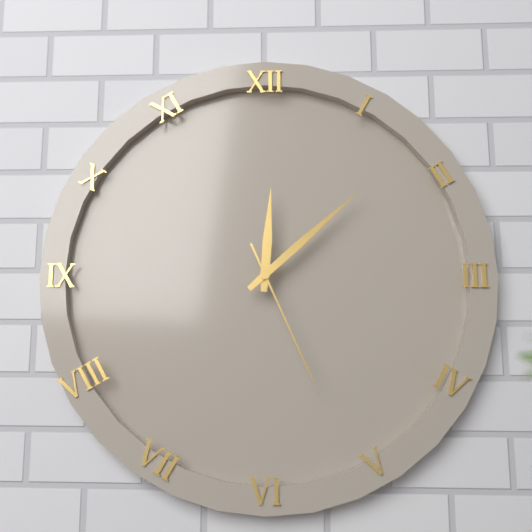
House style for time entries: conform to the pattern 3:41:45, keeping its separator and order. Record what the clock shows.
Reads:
12:08:26
